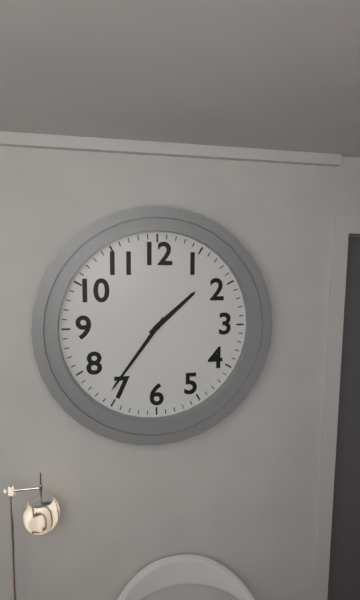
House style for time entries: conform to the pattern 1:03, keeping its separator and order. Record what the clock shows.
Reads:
1:36
